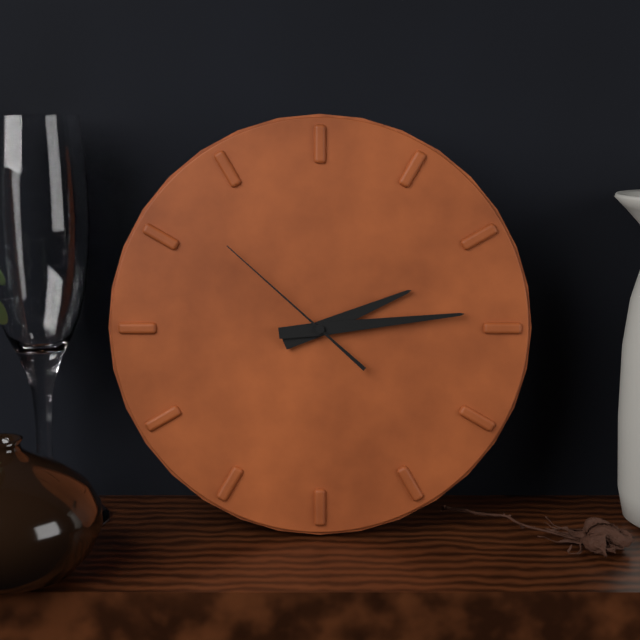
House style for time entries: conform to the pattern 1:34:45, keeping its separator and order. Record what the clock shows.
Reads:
2:14:52
